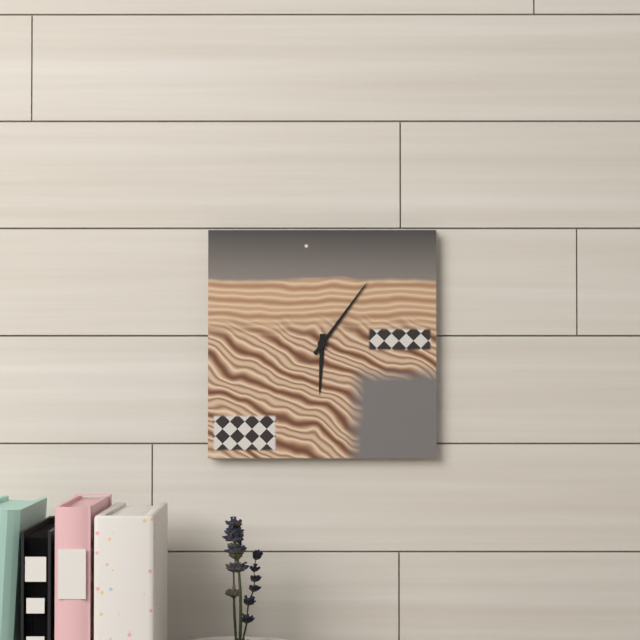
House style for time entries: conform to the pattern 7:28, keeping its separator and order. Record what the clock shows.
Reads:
6:06
